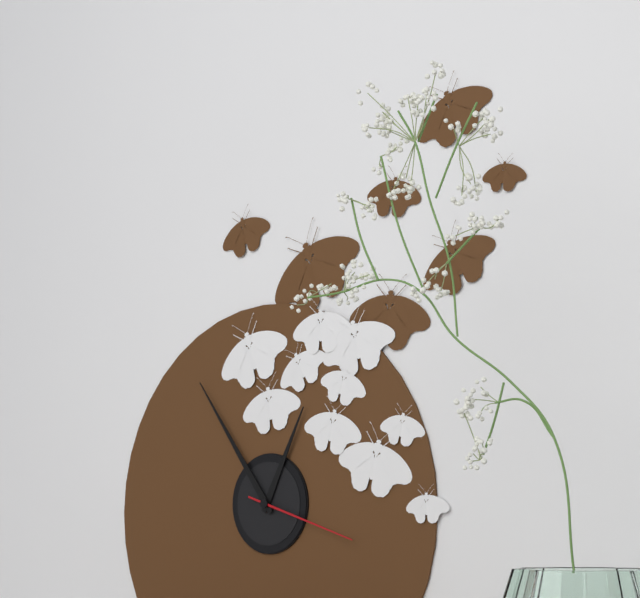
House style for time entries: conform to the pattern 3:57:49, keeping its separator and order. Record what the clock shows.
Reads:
12:54:18
